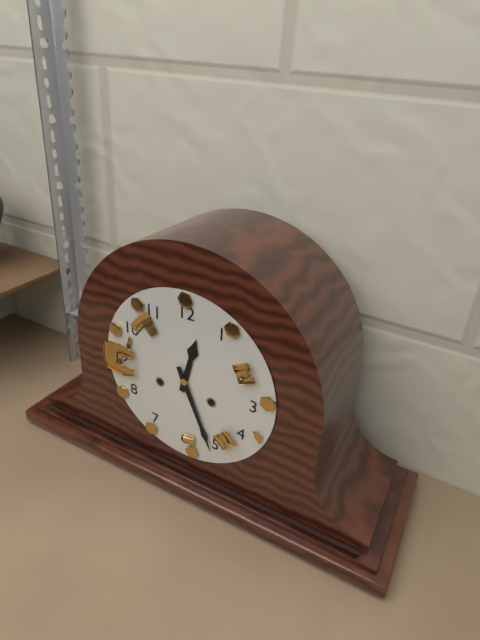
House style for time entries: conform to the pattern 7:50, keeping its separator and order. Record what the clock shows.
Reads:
12:26
